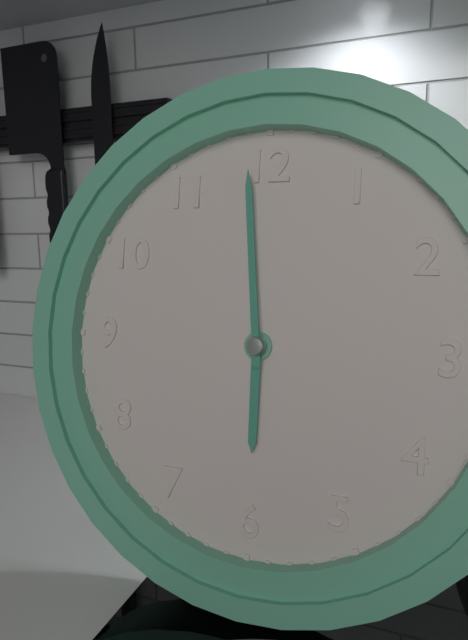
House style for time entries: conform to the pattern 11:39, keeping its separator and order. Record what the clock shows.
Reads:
5:59
